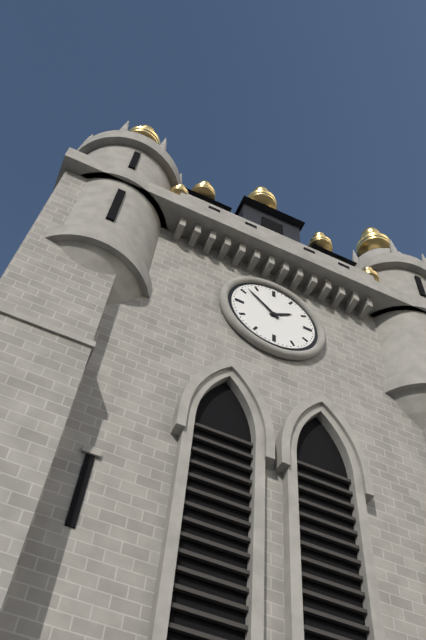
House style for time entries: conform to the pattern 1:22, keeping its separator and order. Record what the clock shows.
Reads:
1:52
